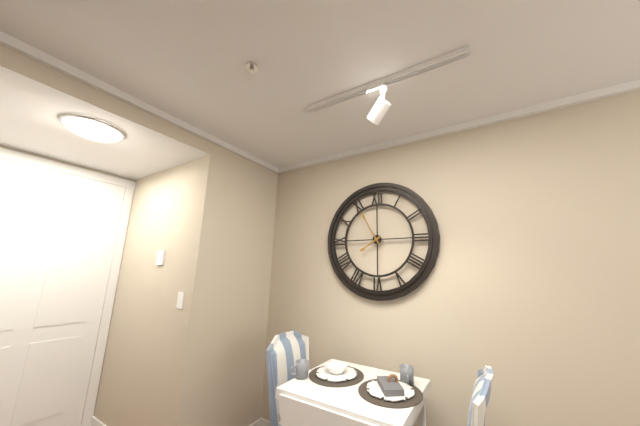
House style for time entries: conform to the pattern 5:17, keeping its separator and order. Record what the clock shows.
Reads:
7:55
